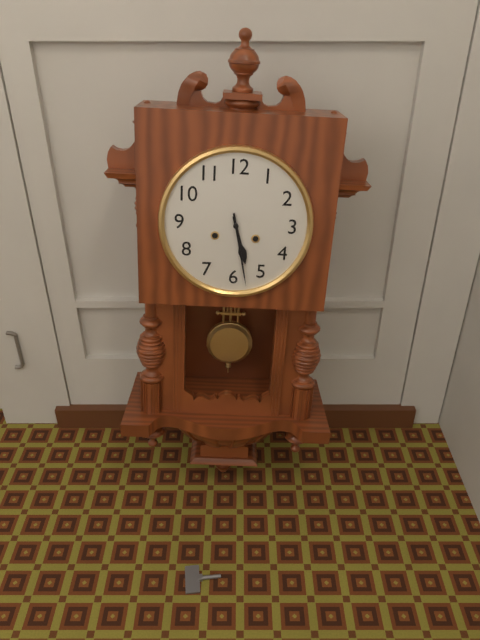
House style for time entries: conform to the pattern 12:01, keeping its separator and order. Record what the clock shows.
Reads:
5:28
